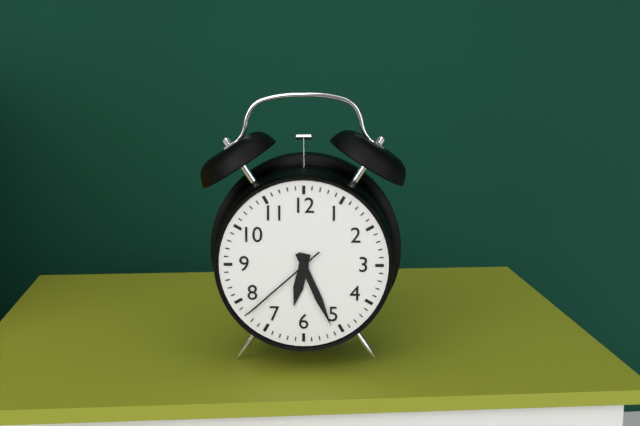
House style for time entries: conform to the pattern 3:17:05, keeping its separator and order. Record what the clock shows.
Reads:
6:26:38
